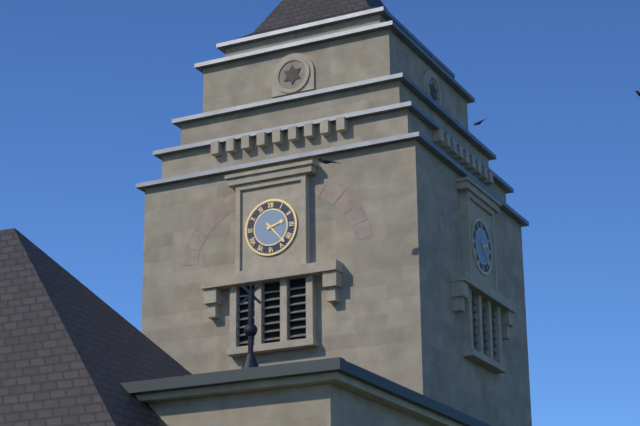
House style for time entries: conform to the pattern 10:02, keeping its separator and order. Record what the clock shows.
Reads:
2:23
